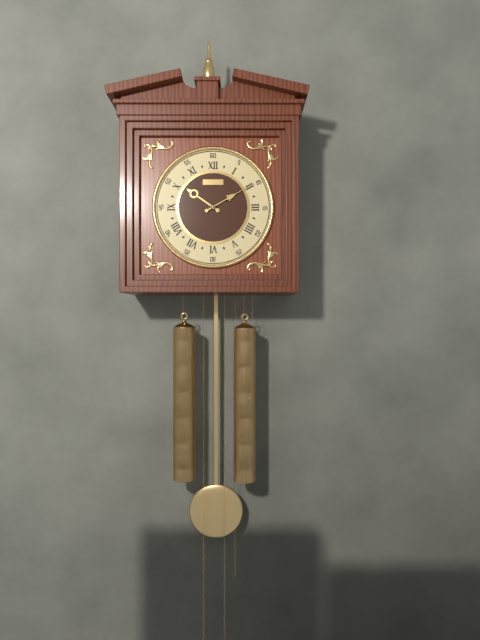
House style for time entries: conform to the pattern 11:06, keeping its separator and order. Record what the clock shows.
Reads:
10:10
